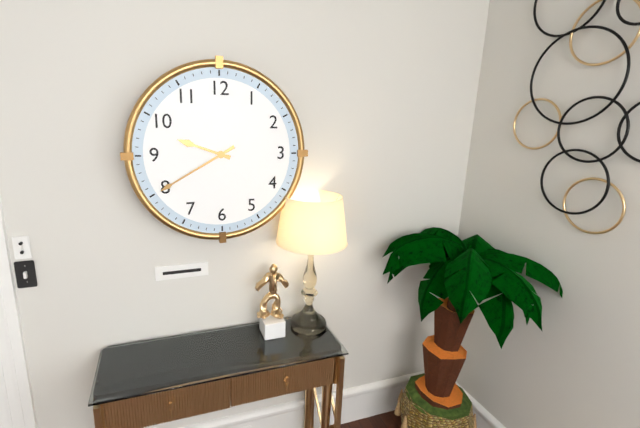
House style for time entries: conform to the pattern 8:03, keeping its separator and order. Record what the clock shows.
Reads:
9:40
